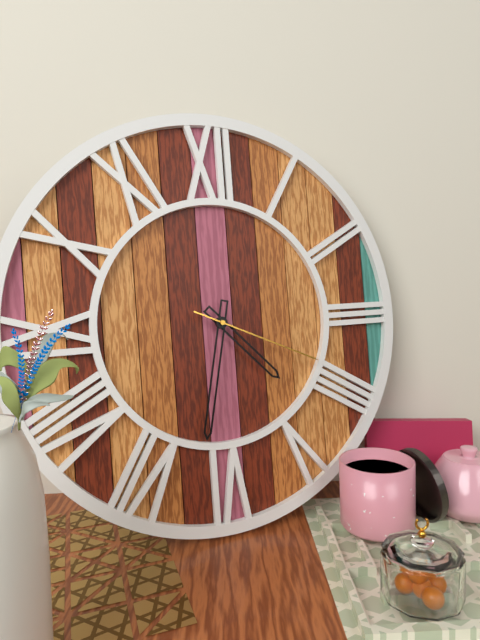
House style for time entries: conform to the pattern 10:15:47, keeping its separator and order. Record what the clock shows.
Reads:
4:32:19
